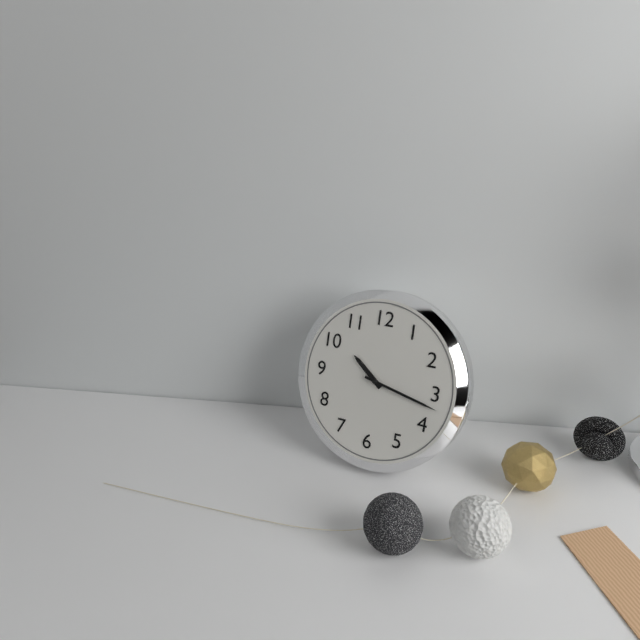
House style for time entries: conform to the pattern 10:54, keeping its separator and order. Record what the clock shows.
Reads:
10:17
